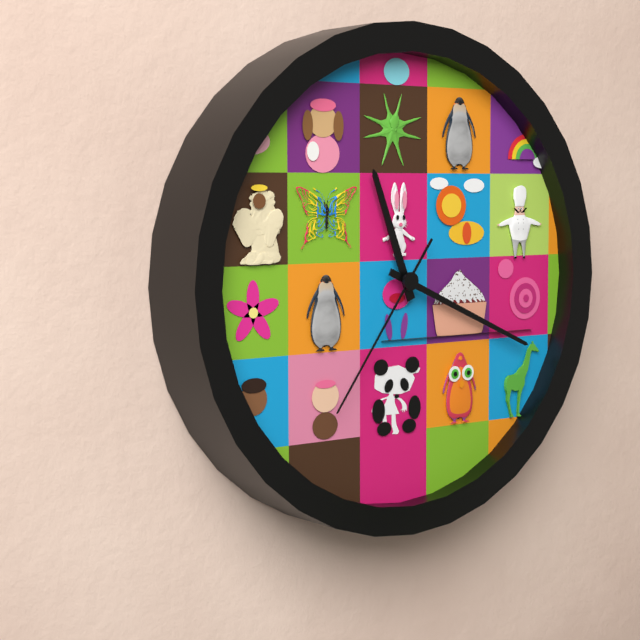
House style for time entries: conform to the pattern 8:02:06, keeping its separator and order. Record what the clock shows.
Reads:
11:19:36
